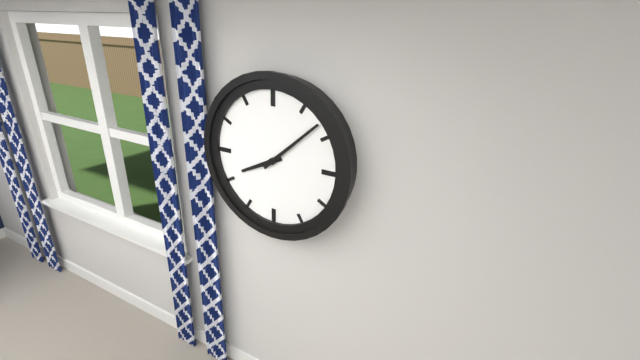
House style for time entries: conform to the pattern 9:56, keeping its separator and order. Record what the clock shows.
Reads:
8:08
